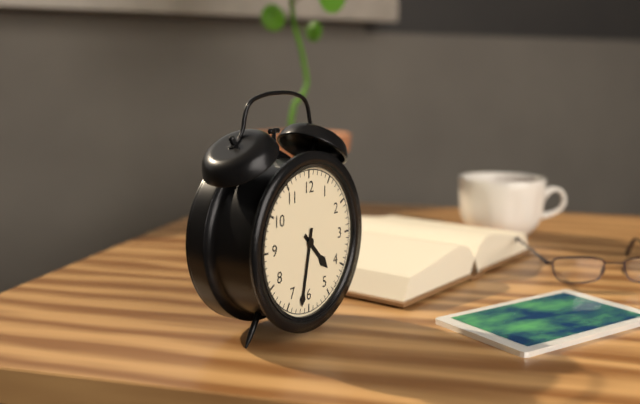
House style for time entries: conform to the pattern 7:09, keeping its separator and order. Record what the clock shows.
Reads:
4:32
